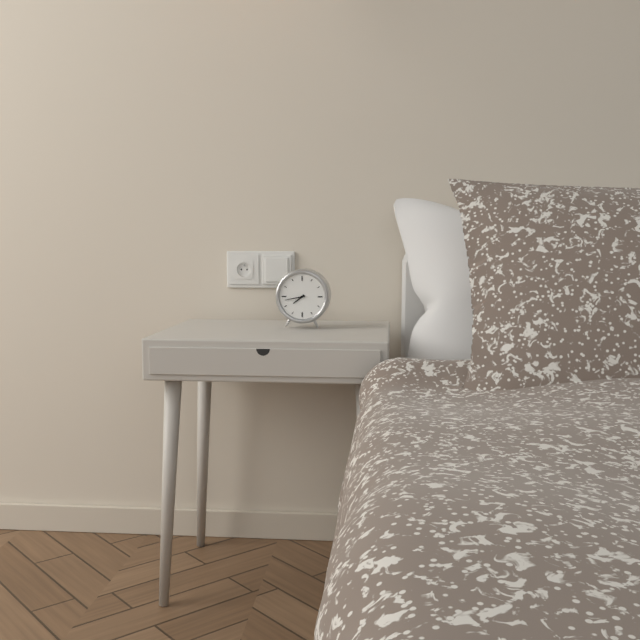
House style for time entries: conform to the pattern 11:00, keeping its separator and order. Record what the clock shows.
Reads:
7:43
